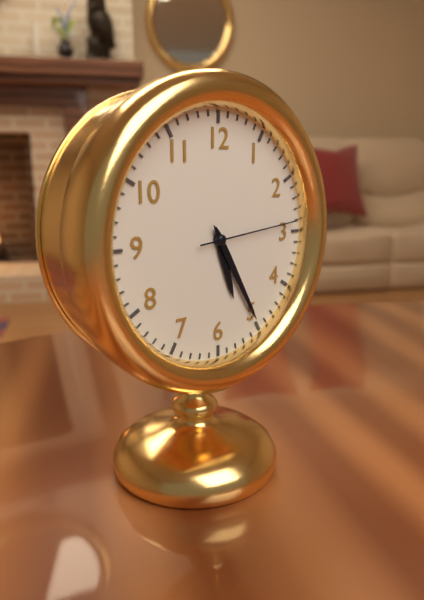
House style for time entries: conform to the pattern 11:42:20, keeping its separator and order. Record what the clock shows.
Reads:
5:25:14
